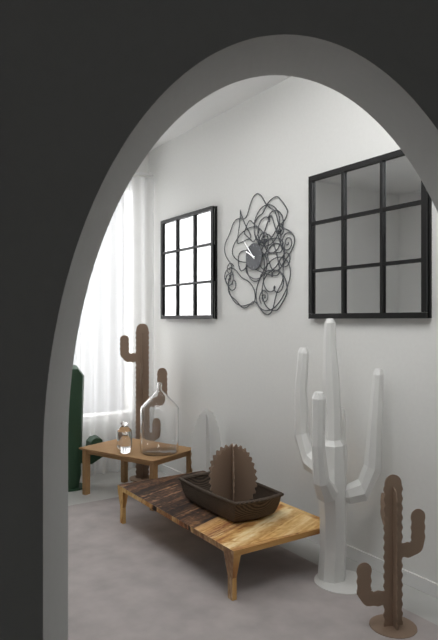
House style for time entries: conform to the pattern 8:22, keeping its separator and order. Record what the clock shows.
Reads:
9:53
